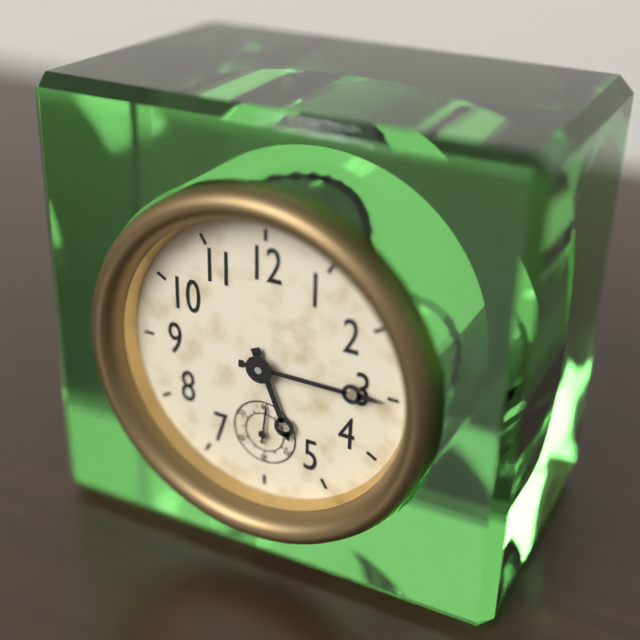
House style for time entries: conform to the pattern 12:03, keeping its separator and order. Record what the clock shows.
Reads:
5:15
